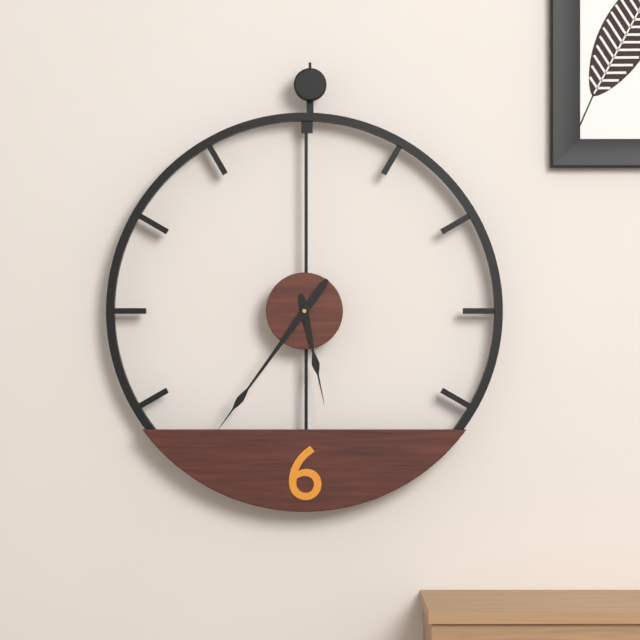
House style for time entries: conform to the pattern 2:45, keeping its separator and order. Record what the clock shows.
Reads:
5:36
